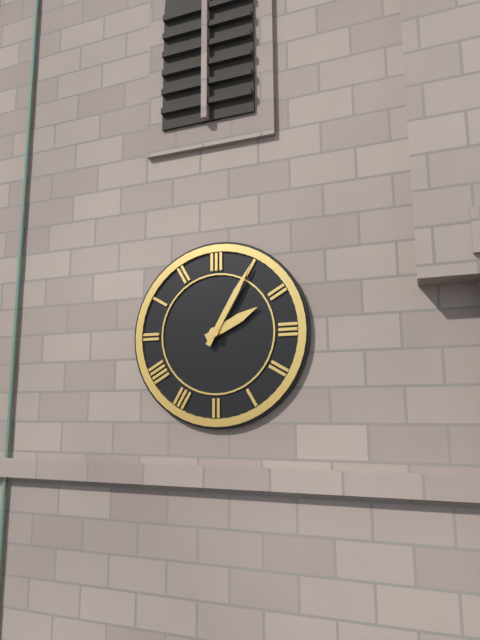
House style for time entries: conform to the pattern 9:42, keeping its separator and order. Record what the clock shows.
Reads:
2:05
